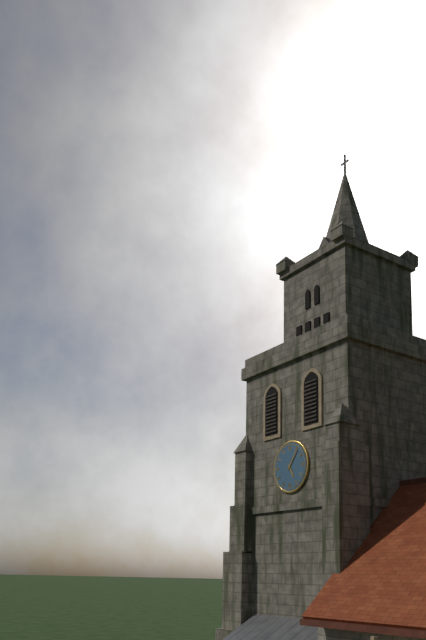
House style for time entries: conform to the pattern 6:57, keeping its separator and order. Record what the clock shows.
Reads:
5:06
